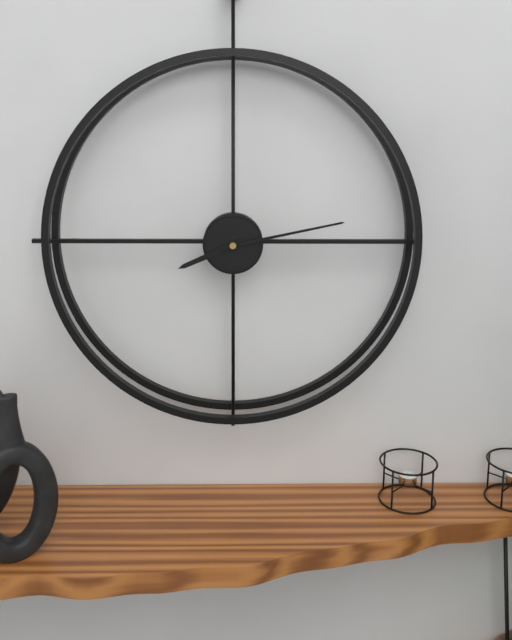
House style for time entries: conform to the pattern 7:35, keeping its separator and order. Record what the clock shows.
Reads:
8:13
